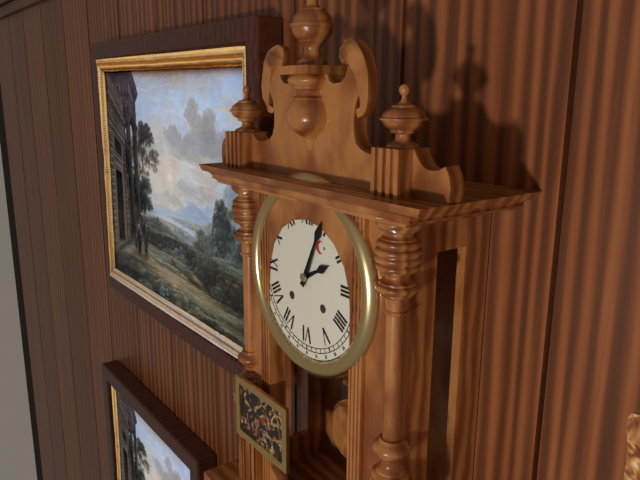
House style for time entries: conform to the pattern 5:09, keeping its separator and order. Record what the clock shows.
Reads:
2:04
